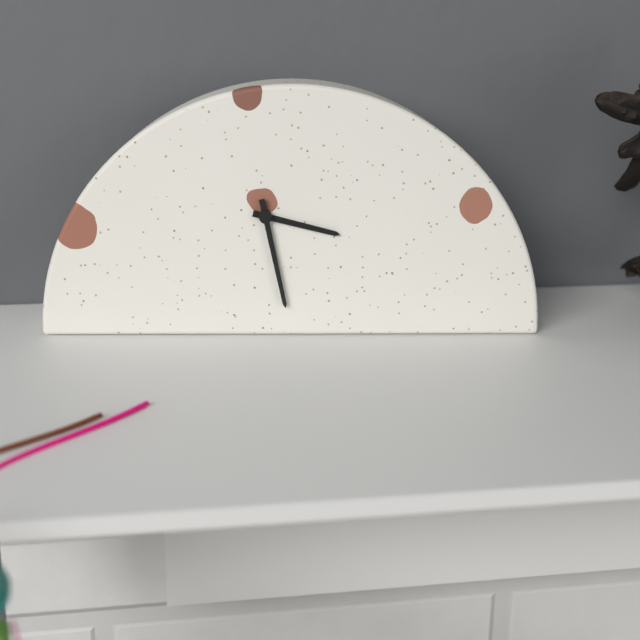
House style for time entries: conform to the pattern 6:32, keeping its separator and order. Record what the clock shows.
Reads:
3:28
